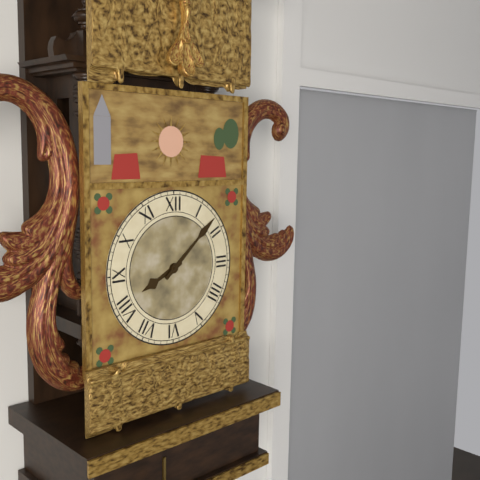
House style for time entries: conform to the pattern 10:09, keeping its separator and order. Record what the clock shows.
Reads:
8:08
